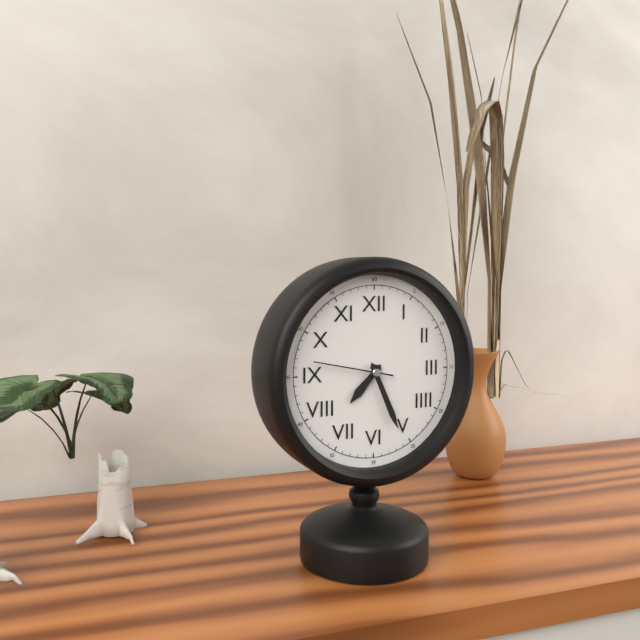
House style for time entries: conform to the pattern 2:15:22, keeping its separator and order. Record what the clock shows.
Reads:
7:26:47
